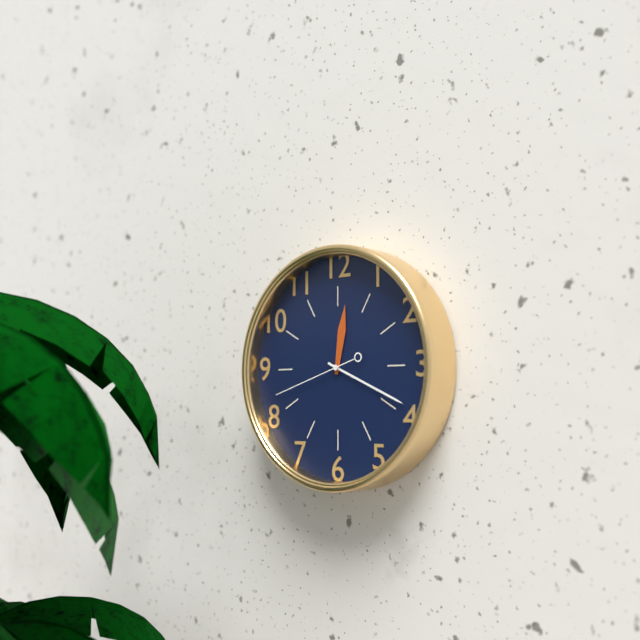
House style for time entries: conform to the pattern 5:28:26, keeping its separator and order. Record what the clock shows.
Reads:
12:19:42
